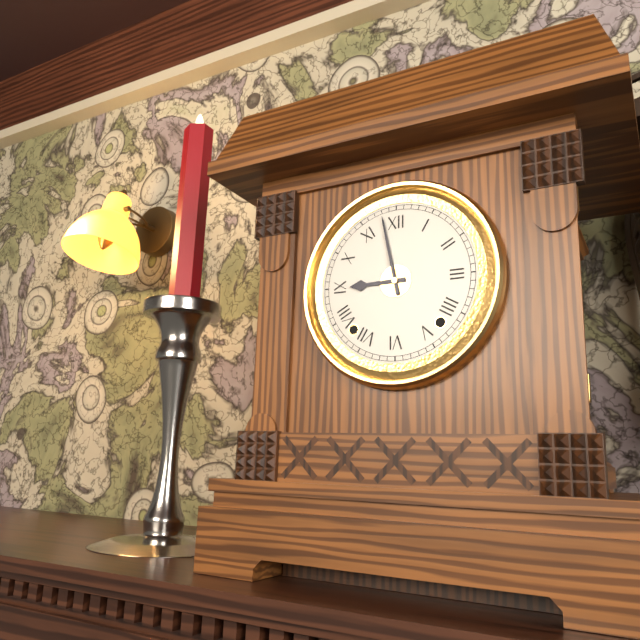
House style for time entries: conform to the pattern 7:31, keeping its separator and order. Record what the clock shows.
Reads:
8:58
